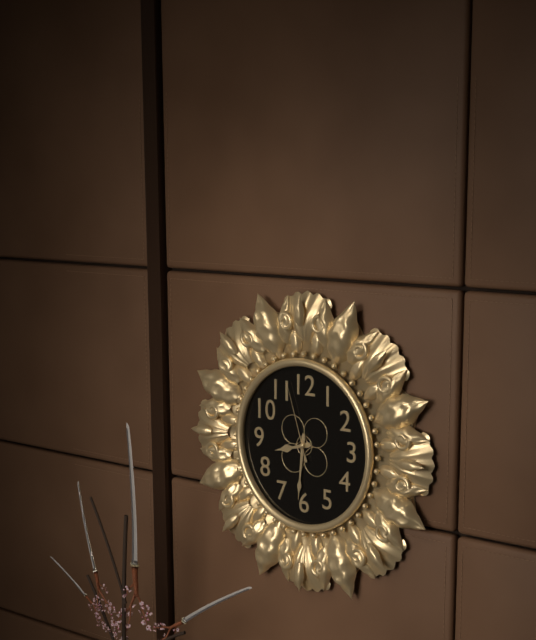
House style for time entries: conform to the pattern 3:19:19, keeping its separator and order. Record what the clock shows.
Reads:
8:31:57
